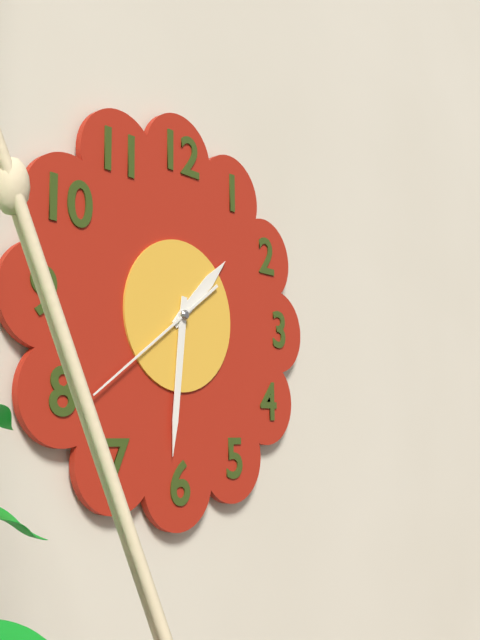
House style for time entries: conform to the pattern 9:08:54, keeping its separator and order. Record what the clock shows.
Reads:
1:31:39
